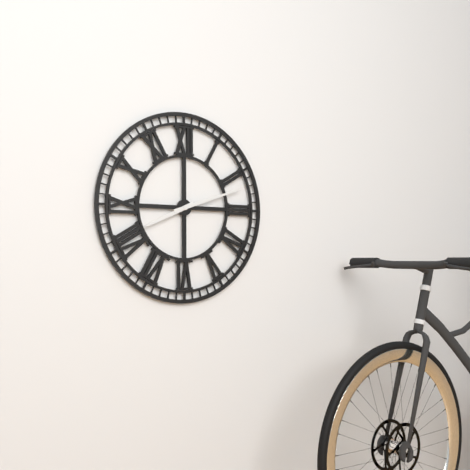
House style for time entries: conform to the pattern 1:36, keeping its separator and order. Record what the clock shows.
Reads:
8:12
